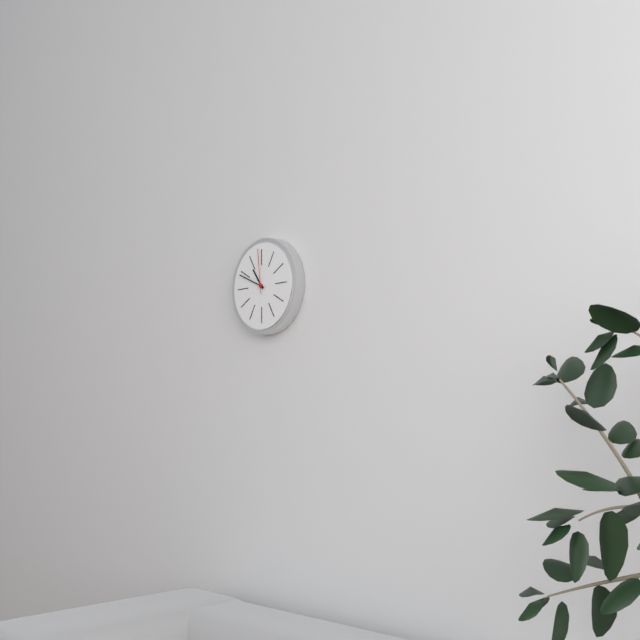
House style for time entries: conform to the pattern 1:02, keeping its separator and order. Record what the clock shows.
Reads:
10:49
